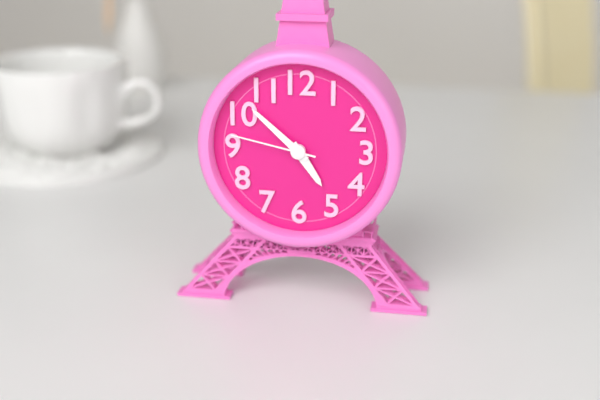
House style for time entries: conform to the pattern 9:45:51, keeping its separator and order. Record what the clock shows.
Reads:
4:52:47
